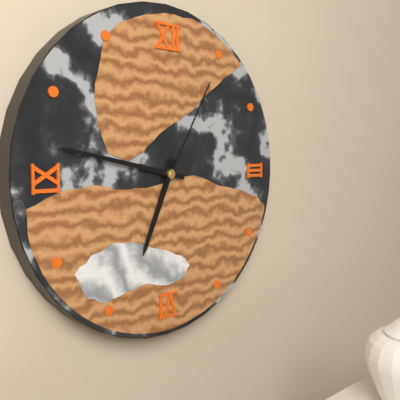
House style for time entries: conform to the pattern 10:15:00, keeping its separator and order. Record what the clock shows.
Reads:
6:47:05
